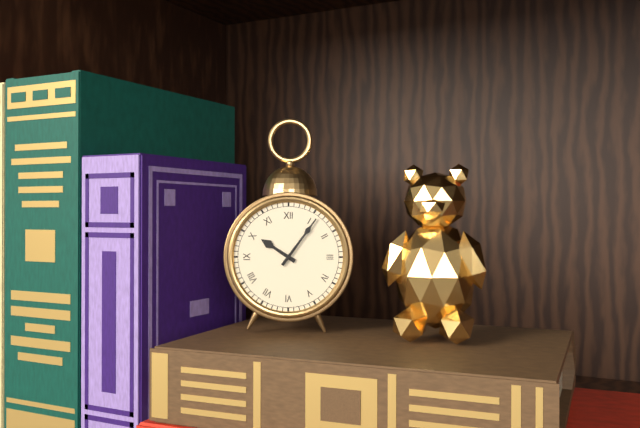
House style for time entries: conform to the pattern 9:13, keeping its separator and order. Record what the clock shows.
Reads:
10:06
